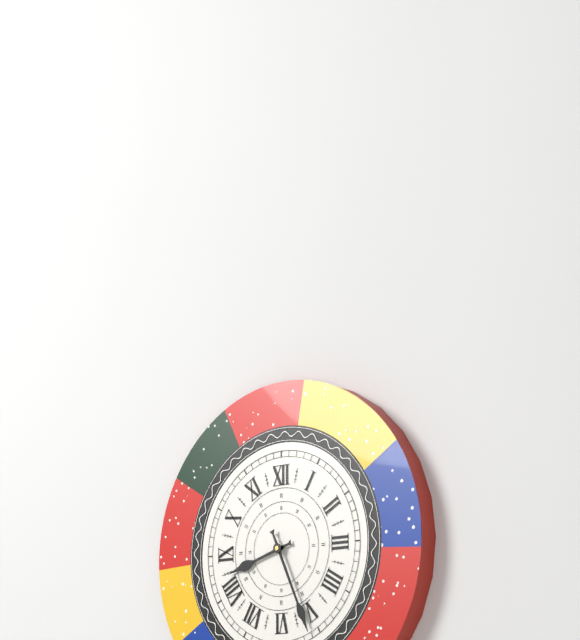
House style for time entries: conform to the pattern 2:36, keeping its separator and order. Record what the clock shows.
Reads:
8:26
